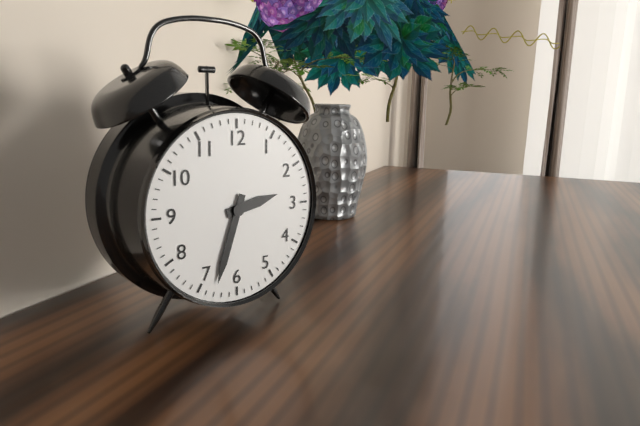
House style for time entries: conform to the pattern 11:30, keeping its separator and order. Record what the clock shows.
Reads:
2:33
